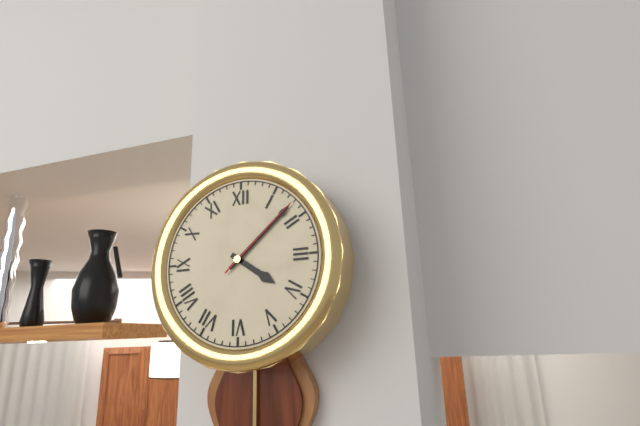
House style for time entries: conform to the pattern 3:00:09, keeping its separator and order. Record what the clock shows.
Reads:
4:08:08
